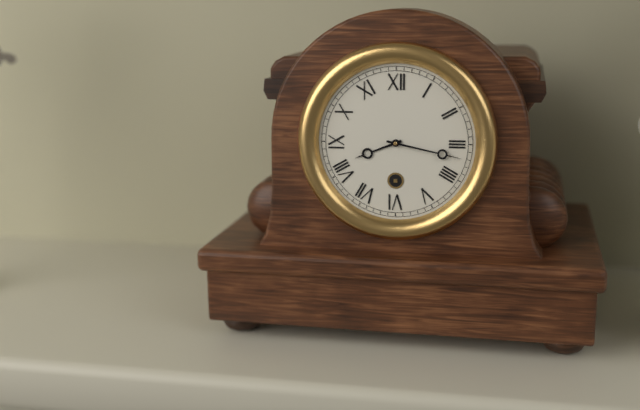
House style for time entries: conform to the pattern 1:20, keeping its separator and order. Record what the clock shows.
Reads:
8:17
